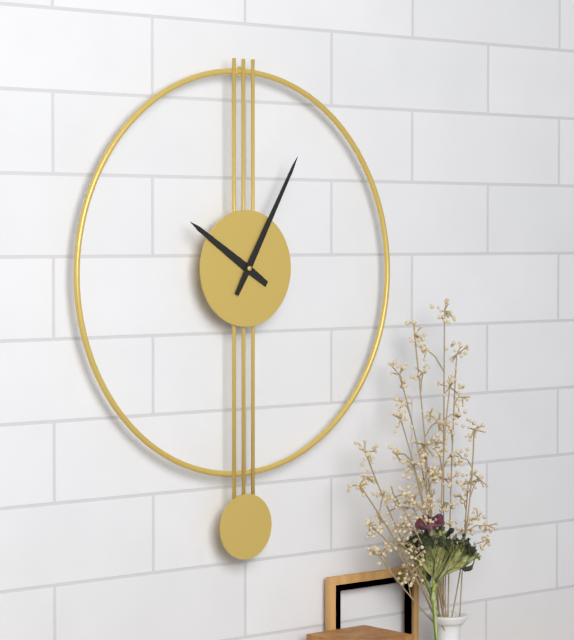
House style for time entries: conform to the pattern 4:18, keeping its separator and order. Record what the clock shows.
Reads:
10:05
